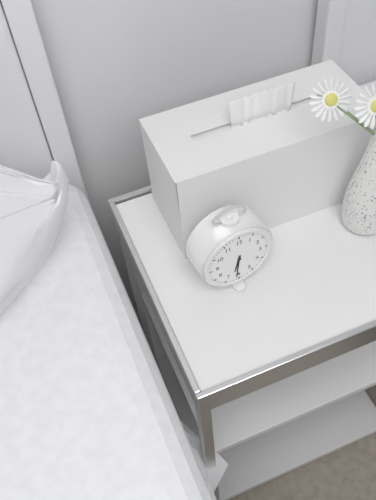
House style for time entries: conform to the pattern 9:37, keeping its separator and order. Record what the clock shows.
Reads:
6:31
